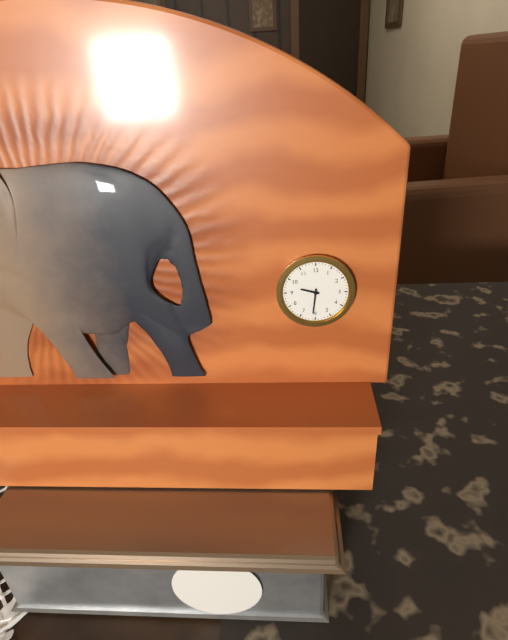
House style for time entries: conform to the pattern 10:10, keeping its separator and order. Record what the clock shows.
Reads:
9:31
